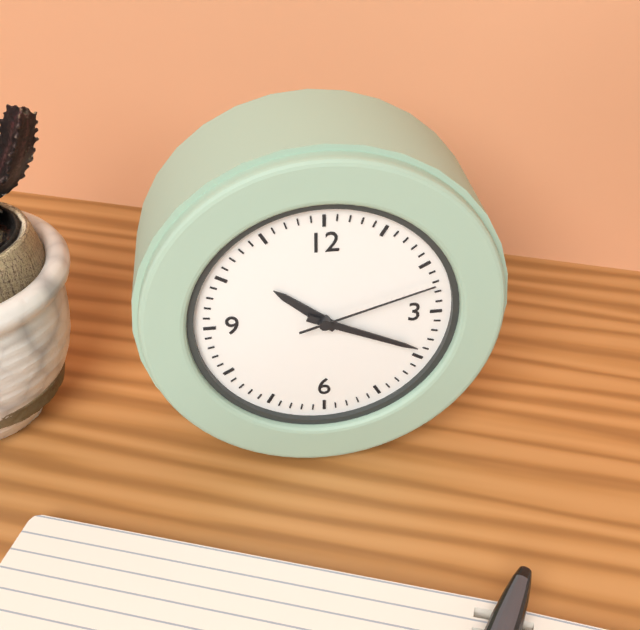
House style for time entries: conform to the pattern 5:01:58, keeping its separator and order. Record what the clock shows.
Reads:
10:19:12
